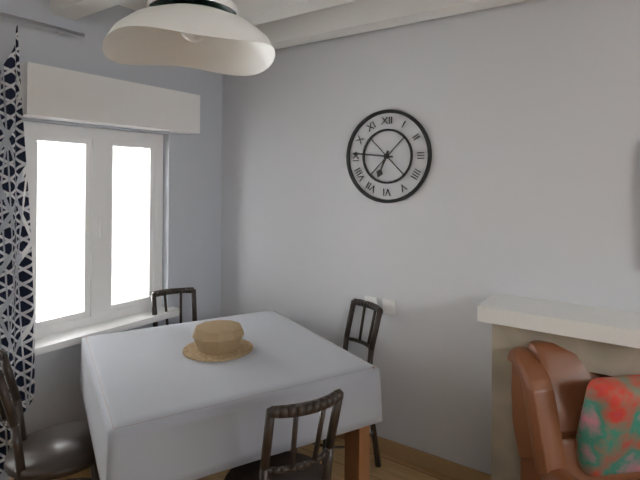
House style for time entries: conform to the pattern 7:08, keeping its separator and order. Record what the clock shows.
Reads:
6:46
